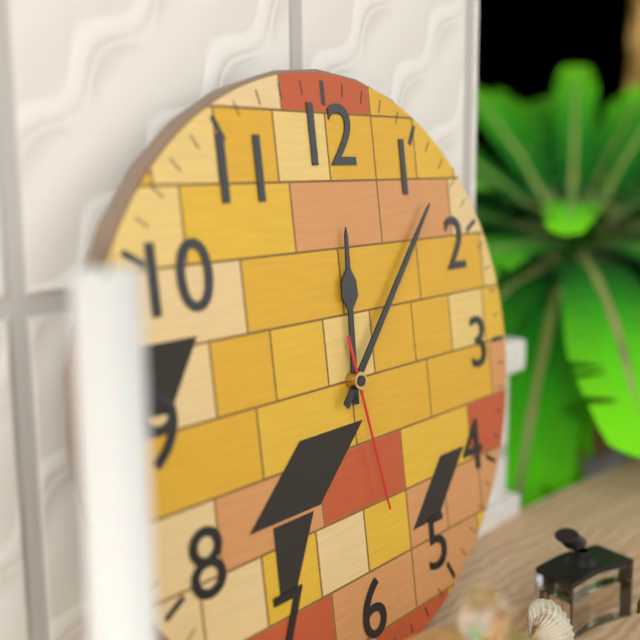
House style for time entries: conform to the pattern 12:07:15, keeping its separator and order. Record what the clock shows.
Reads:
12:07:28
